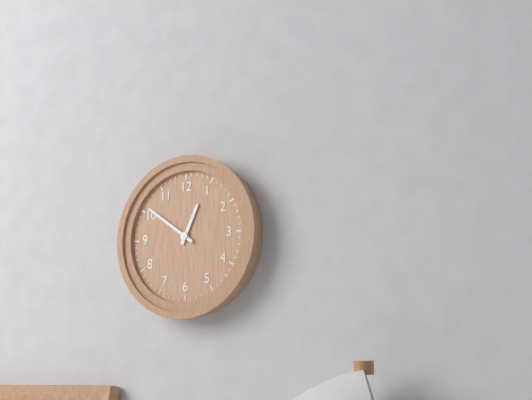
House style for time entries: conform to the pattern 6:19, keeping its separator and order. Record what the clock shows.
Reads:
12:51
